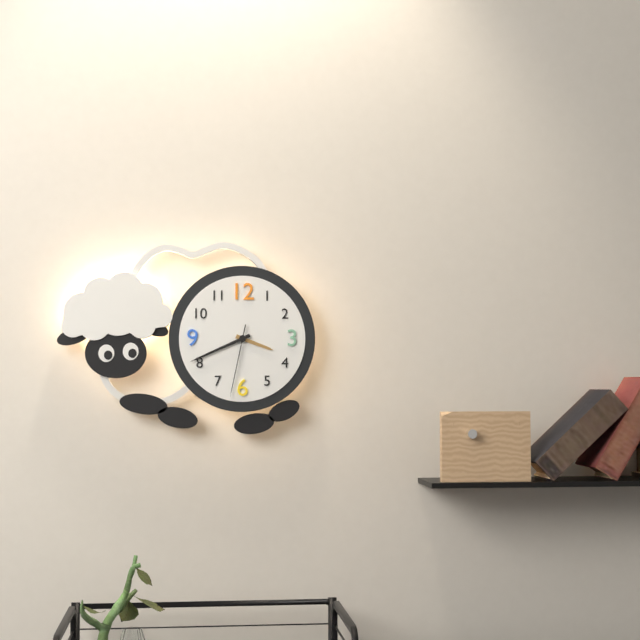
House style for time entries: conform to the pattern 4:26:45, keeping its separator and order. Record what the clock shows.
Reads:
3:41:32
